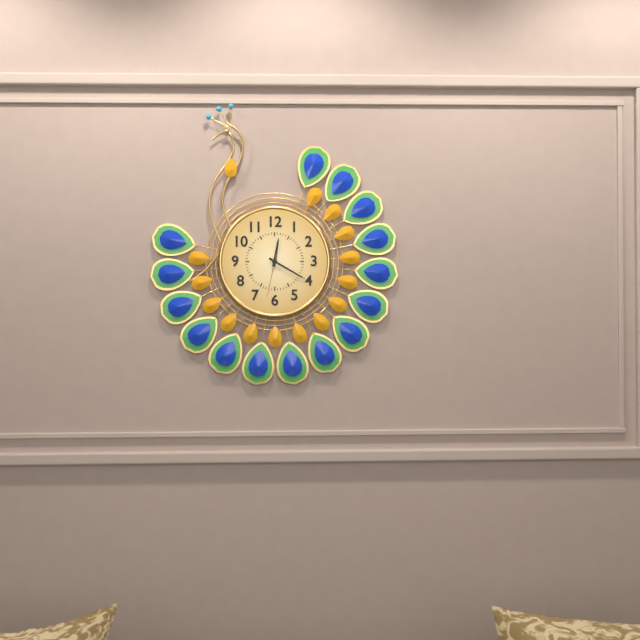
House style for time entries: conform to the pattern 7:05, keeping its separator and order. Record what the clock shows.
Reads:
12:20
